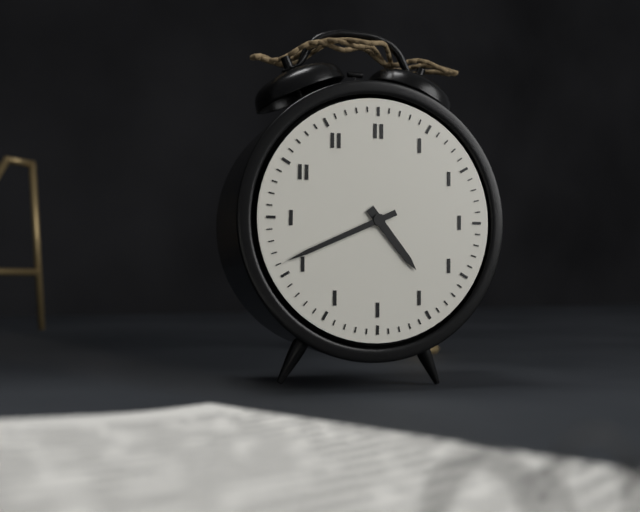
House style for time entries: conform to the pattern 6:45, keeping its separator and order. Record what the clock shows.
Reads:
4:41
